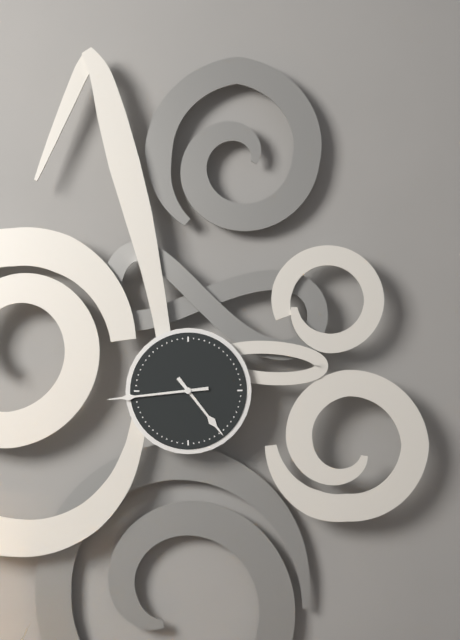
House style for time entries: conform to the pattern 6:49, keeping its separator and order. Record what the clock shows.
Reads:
4:44
